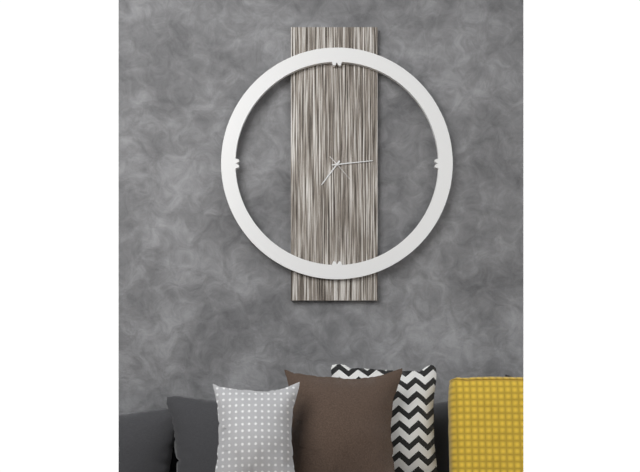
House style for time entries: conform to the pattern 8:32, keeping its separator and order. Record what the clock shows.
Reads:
7:14
